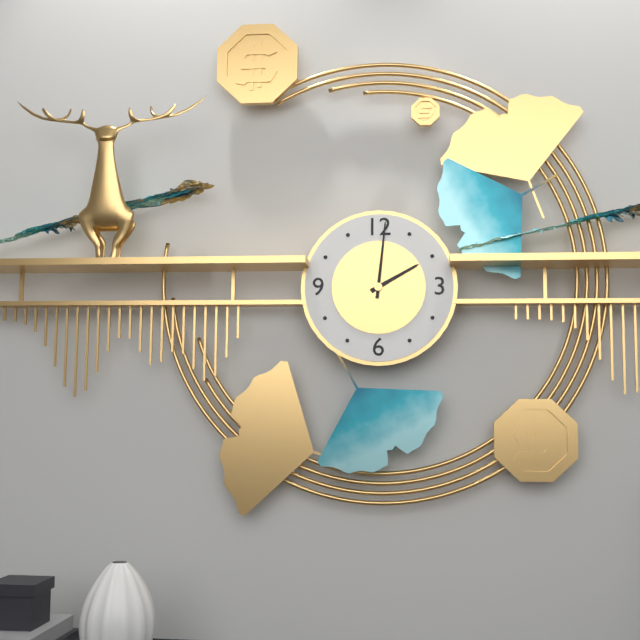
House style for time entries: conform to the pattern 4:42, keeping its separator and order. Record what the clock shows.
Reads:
2:01
